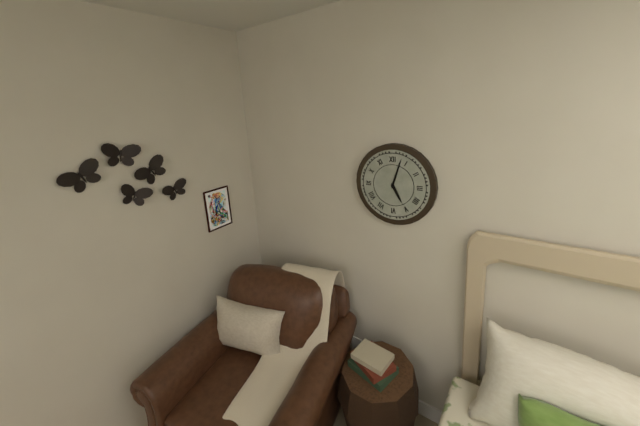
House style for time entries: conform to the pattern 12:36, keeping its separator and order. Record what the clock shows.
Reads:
5:03
